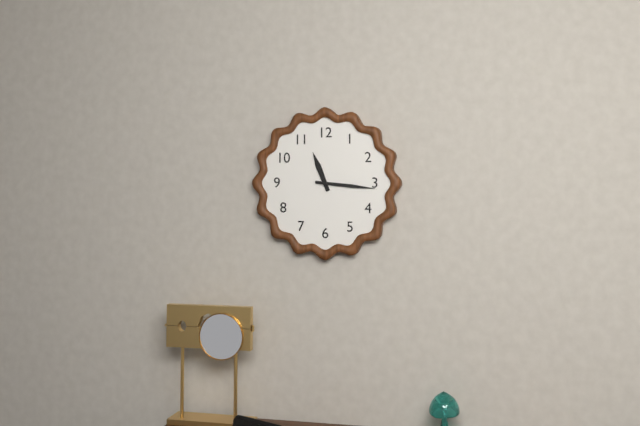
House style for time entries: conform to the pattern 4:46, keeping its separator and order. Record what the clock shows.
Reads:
11:16
